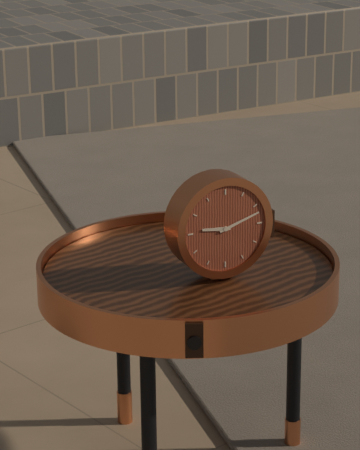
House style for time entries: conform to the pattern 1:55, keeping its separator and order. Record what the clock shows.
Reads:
9:12
